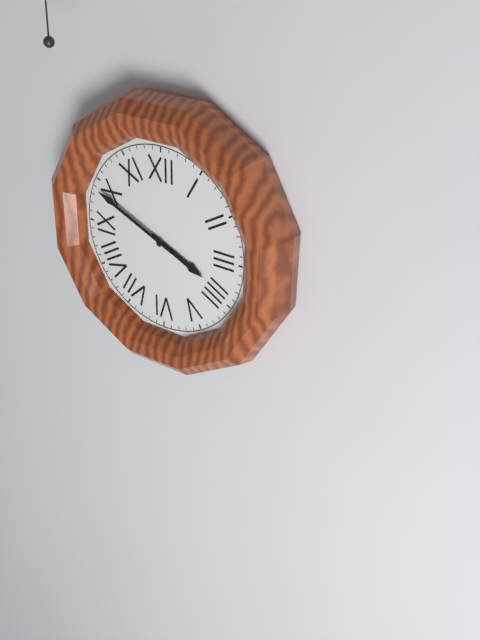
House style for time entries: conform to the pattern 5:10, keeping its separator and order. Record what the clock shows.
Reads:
3:49
